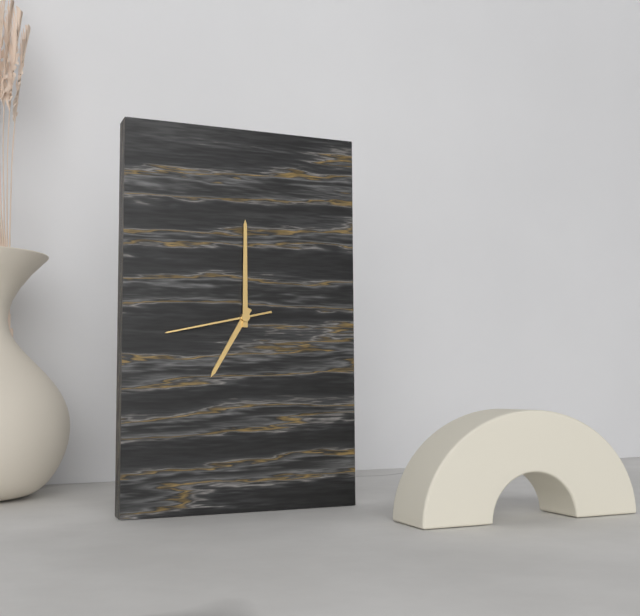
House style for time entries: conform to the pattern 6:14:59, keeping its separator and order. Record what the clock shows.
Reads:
7:00:43
